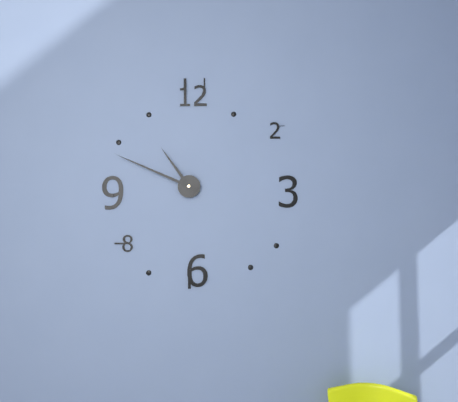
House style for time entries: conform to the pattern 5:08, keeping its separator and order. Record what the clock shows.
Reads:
10:49
